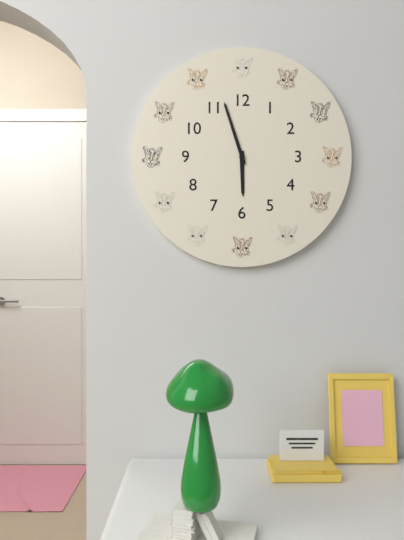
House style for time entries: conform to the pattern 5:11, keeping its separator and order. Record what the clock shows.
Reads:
5:57
